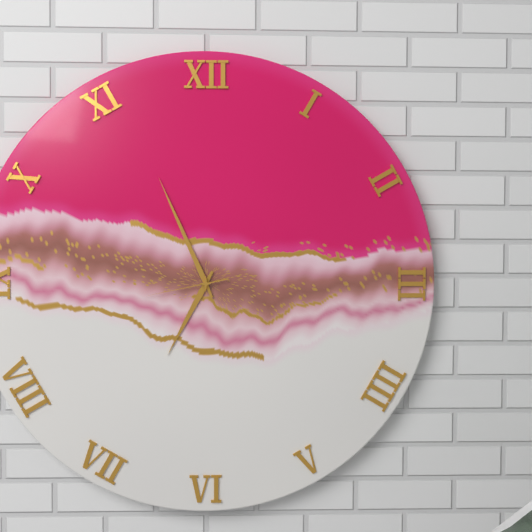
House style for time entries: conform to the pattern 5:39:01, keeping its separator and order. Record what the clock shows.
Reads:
6:56:43
